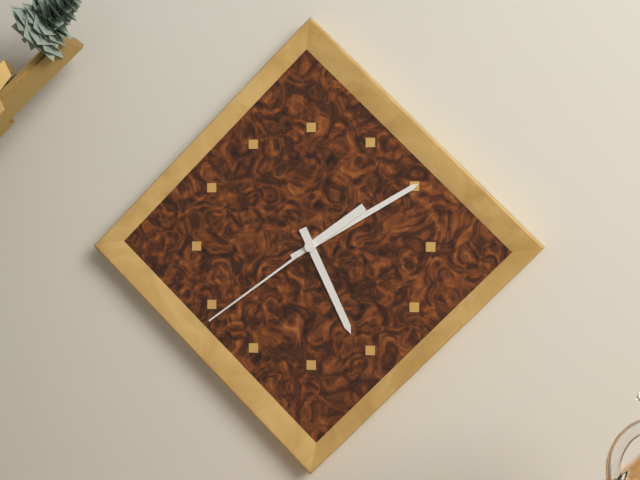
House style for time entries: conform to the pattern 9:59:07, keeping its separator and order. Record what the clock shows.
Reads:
5:10:39
